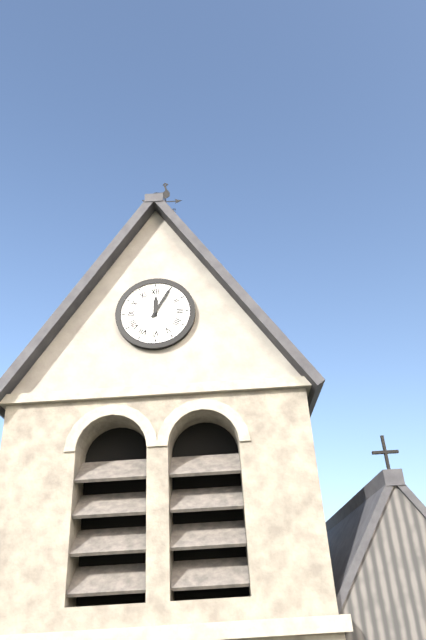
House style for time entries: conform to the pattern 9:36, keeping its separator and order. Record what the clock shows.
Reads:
12:05
